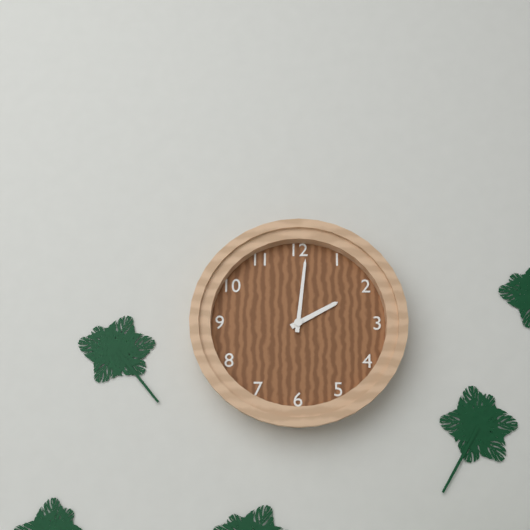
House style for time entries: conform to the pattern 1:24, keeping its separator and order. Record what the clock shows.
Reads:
2:01
